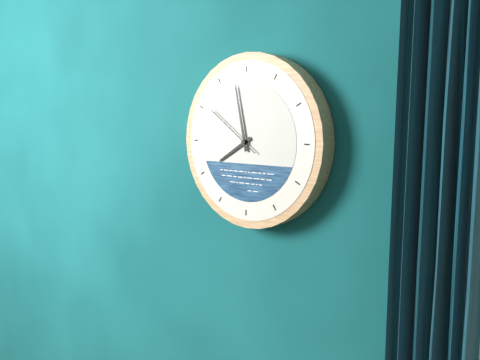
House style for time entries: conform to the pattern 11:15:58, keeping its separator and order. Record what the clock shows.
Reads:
7:58:51
